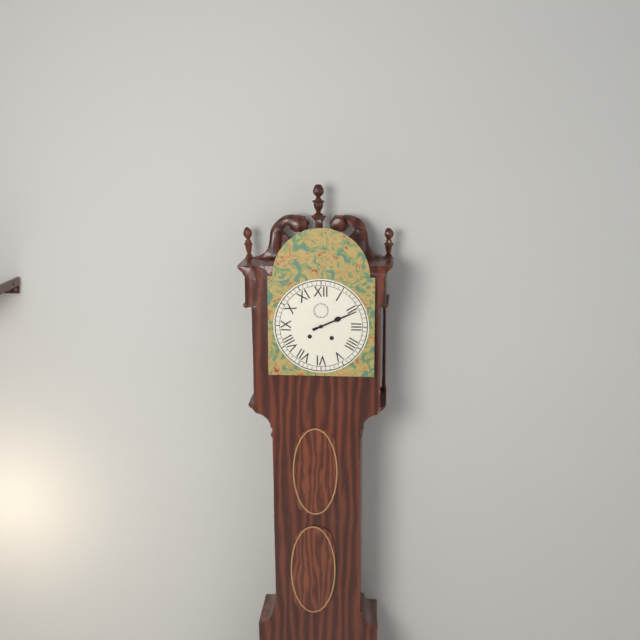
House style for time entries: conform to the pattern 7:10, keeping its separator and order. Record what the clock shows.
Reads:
2:11
